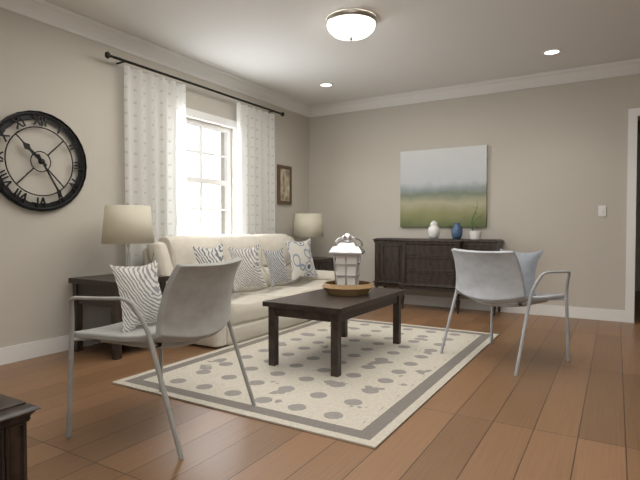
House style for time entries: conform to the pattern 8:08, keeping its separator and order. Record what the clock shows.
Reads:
10:25
